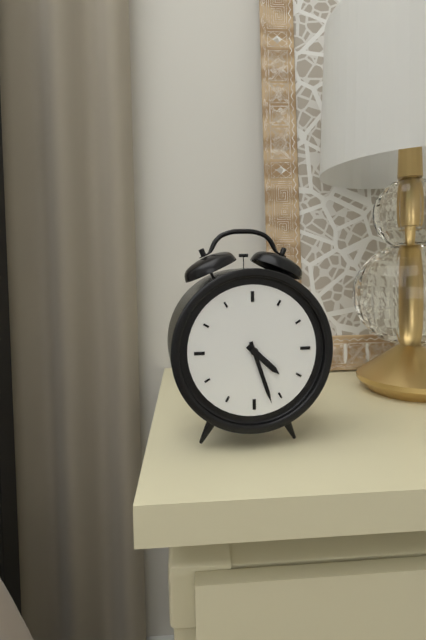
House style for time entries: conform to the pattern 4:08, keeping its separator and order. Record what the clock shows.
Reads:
4:27
